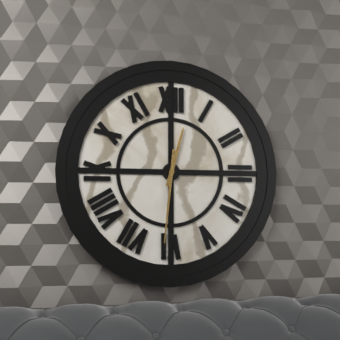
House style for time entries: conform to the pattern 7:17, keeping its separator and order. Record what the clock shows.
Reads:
12:31
